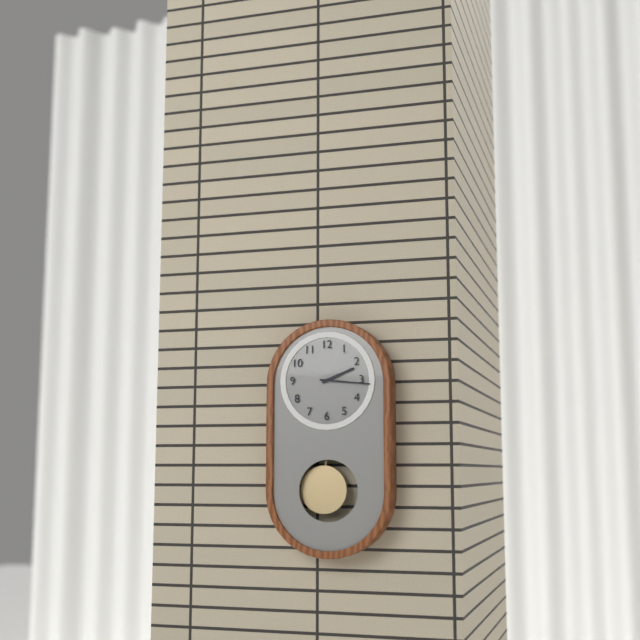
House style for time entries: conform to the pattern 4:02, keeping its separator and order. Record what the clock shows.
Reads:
2:16
